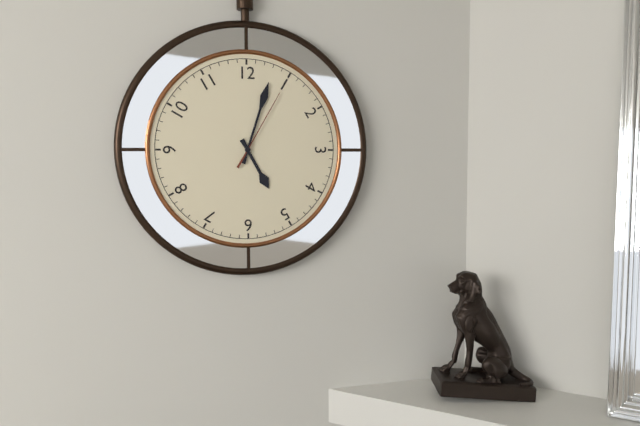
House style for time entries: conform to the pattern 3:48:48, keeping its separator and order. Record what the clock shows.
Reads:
5:03:05
